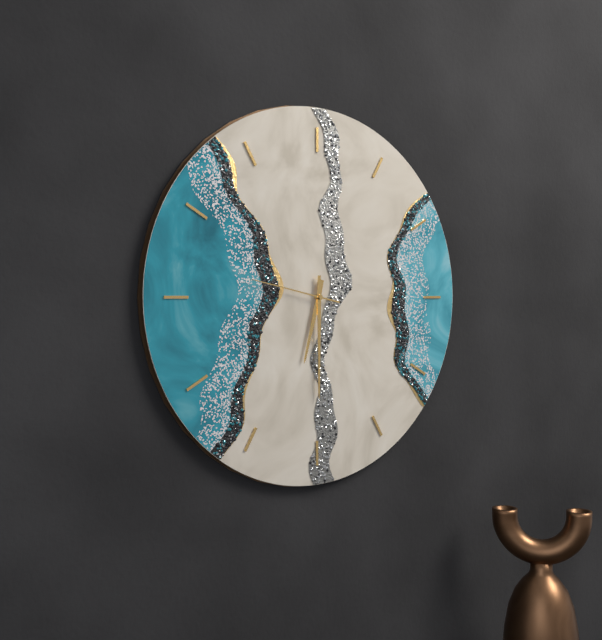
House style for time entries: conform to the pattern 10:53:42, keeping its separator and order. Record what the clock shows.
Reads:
6:30:47
